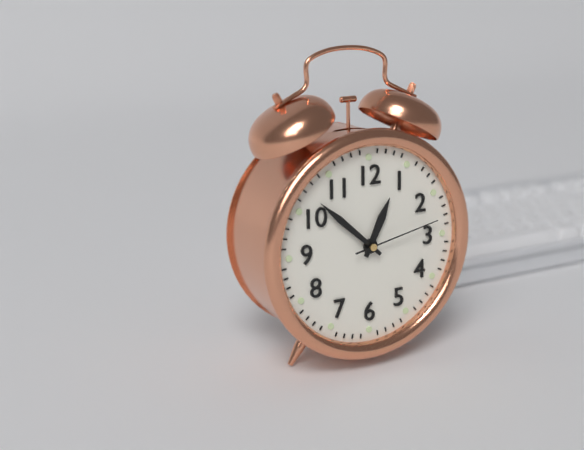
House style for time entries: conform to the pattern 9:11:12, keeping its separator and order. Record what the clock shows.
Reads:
12:52:13
